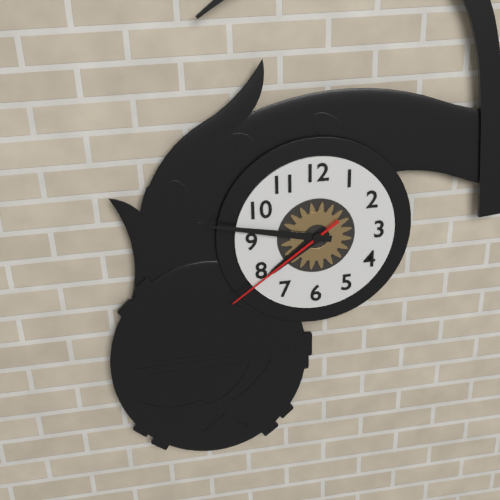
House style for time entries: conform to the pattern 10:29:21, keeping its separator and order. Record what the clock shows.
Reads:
7:47:39
